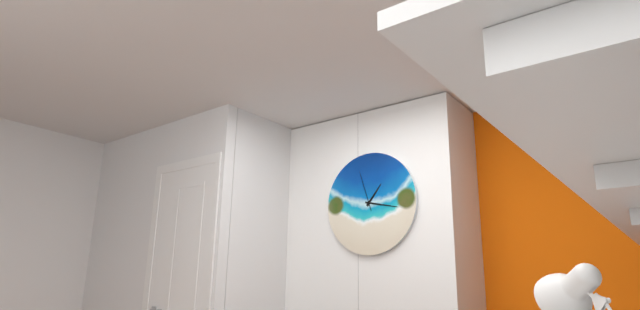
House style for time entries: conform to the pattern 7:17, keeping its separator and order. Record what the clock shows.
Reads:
1:17
